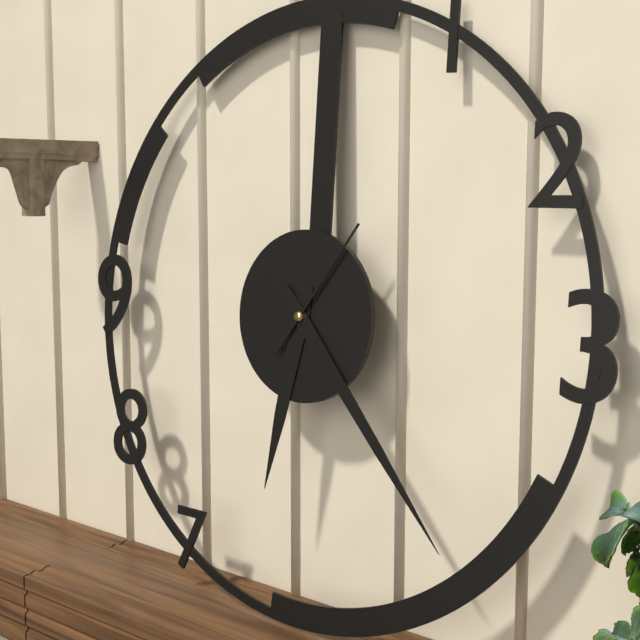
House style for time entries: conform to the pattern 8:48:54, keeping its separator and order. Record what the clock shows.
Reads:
6:23:06
